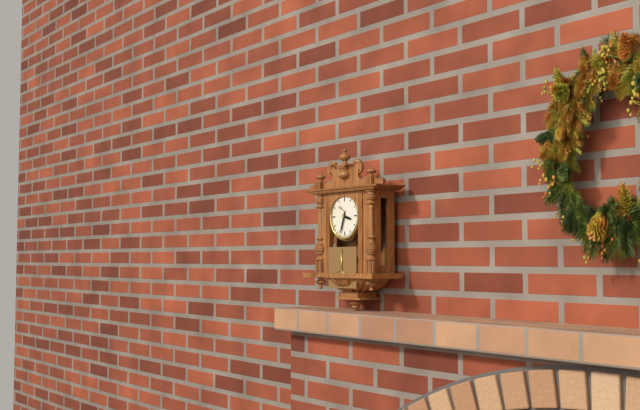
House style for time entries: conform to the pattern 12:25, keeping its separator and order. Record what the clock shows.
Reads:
3:33
